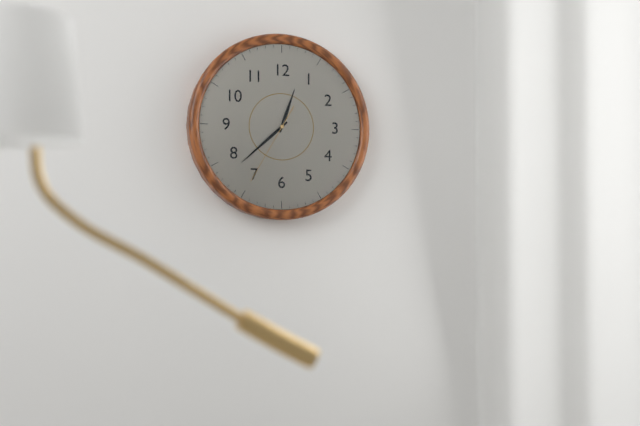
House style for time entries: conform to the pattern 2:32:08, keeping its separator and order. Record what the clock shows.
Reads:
12:38:35
